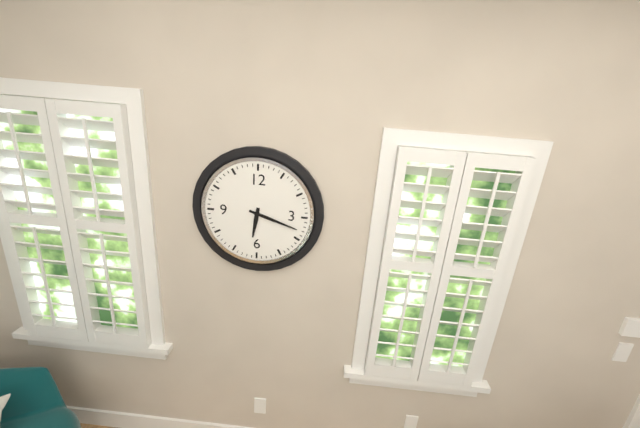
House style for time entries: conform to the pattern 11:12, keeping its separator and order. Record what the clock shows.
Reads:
6:18
